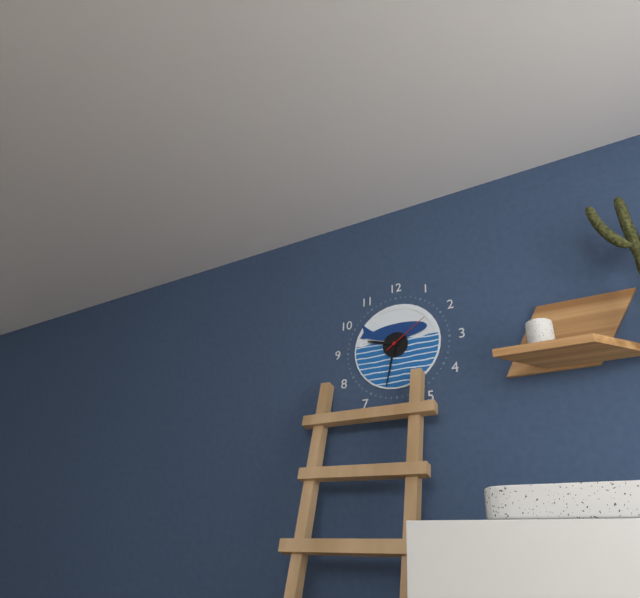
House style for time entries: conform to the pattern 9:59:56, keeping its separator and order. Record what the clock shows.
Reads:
9:32:09
